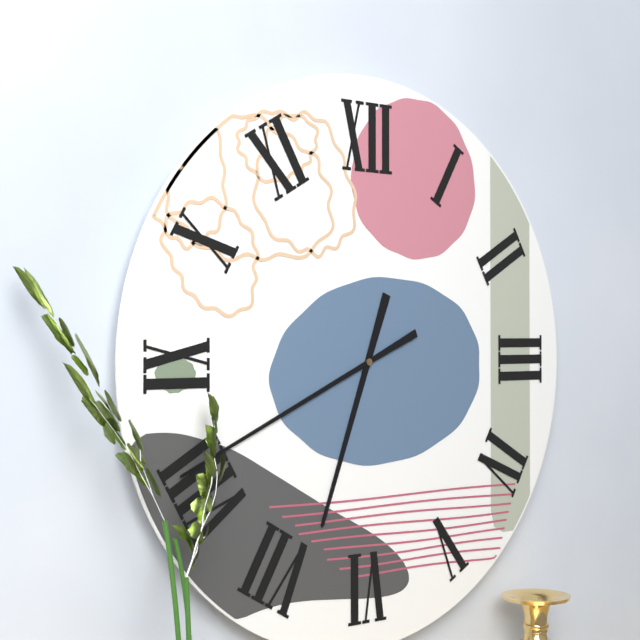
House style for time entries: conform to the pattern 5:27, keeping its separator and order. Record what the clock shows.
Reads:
6:41
